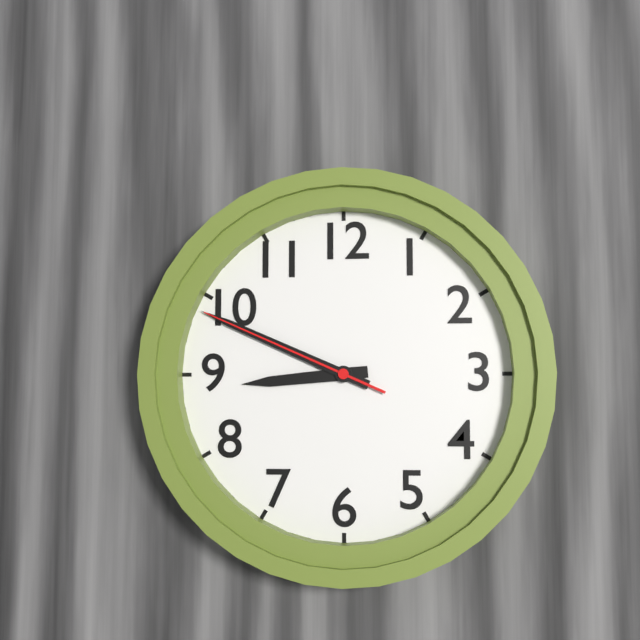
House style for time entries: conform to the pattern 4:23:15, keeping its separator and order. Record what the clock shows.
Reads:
8:49:49
